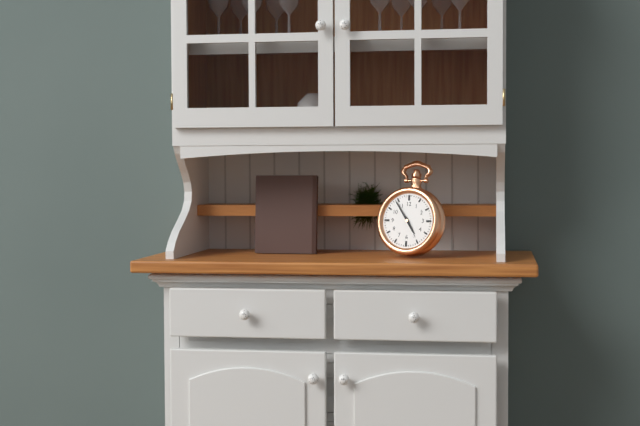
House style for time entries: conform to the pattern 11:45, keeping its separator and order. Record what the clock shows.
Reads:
4:54
